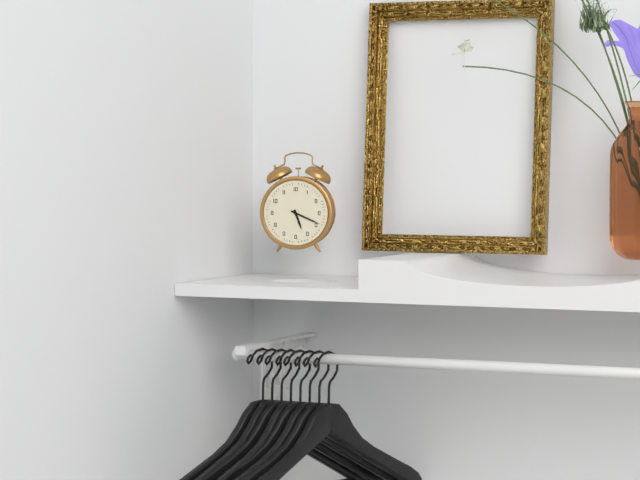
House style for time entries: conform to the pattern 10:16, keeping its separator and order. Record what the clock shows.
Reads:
5:19
